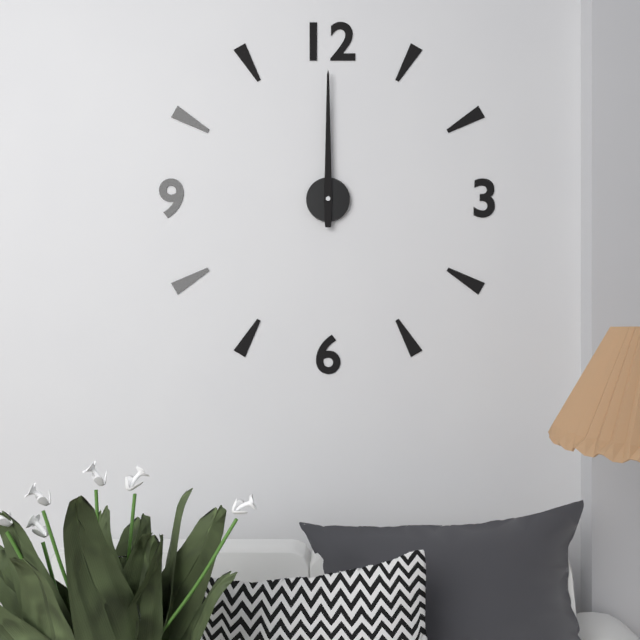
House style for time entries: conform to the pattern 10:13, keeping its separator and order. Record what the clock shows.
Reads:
12:00
